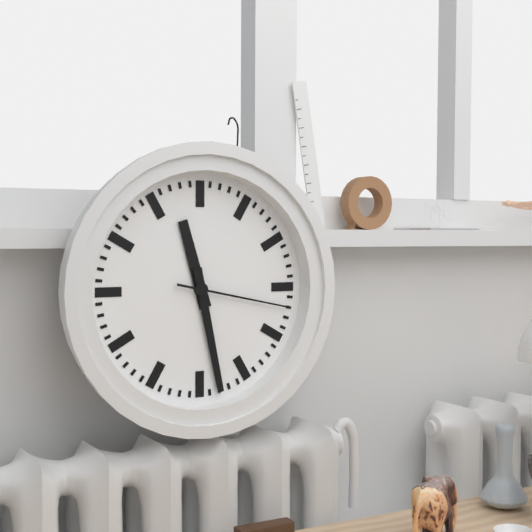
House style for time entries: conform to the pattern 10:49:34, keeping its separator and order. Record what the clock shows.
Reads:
11:28:17
